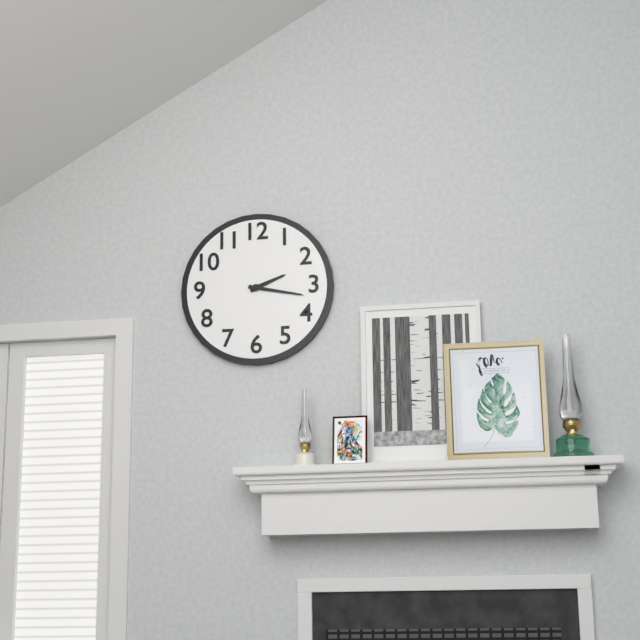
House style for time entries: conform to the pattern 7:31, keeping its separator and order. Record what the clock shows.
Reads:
2:17
